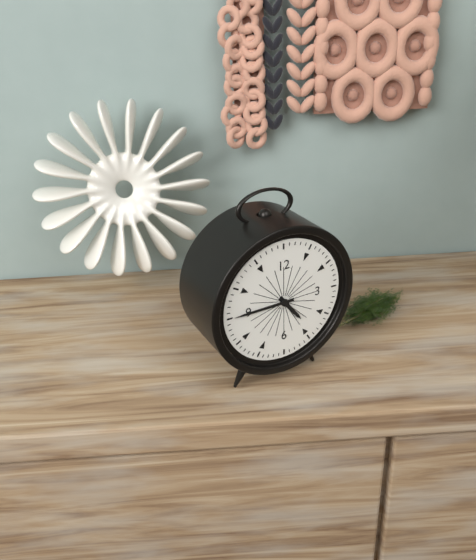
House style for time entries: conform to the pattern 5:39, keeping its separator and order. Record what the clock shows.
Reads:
4:45
